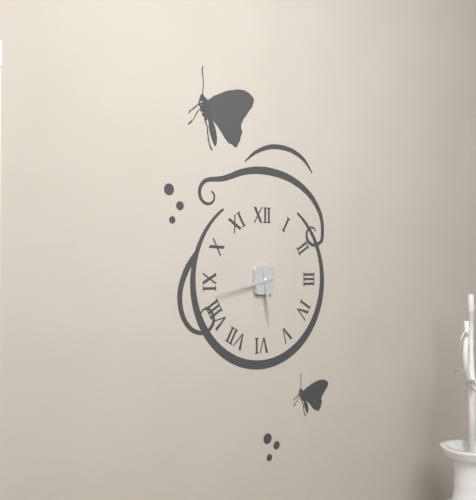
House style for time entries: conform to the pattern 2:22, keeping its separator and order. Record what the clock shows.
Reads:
5:43
